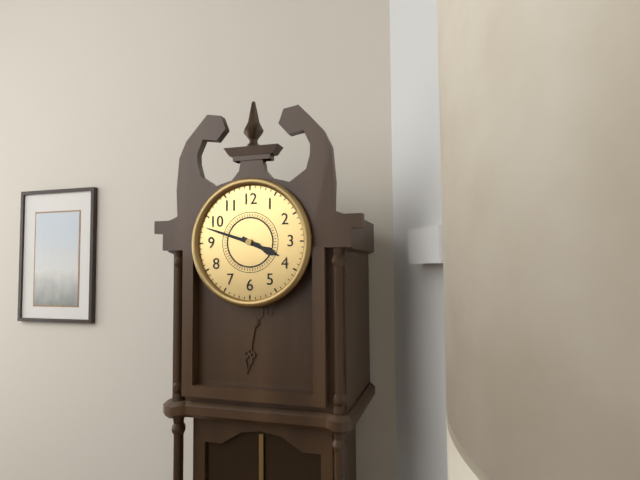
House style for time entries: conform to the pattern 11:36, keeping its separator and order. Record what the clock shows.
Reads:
3:48
